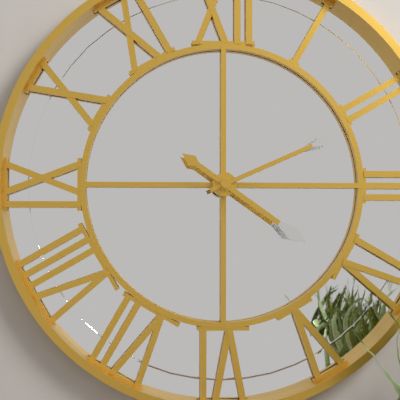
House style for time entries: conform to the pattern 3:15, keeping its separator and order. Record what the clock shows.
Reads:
4:11
